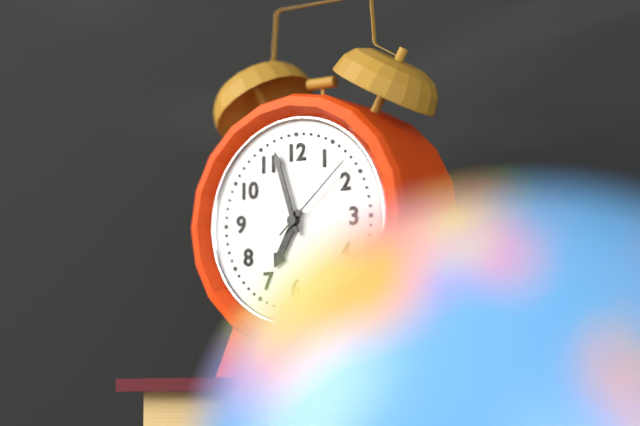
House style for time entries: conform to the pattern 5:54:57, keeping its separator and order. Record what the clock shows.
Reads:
6:57:08
